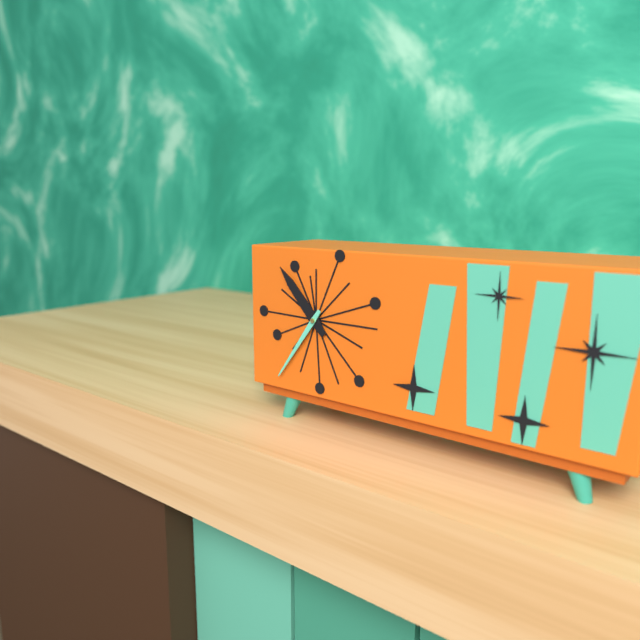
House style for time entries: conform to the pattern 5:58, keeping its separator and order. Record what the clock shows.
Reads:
10:36
